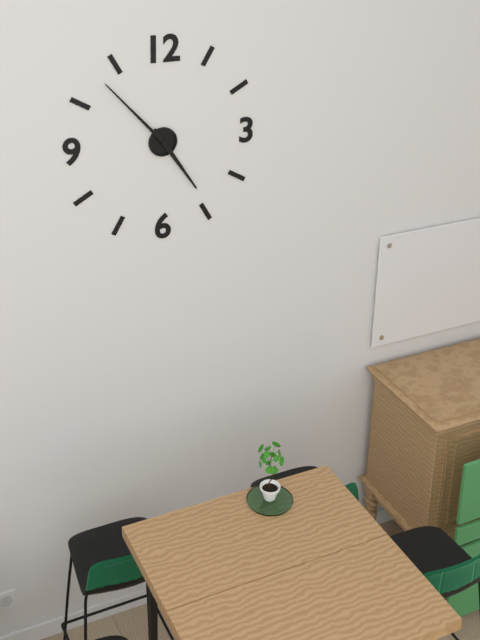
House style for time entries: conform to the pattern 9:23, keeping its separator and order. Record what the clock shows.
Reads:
4:53
